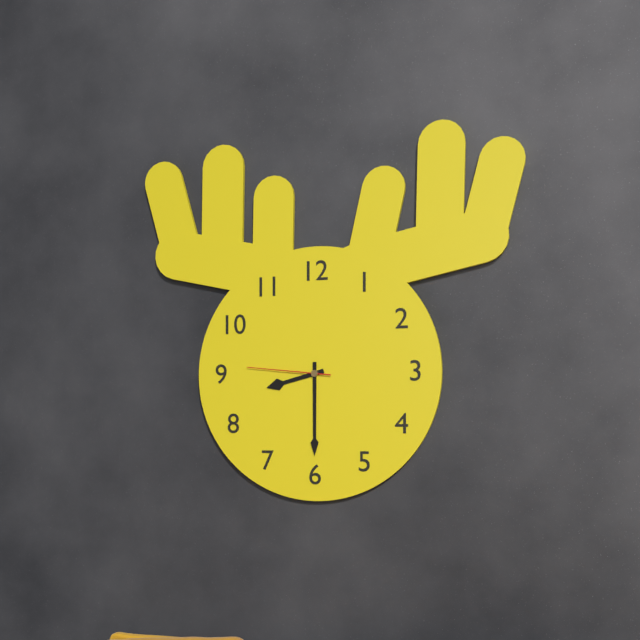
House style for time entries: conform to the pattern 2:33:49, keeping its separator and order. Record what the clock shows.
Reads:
8:30:46
